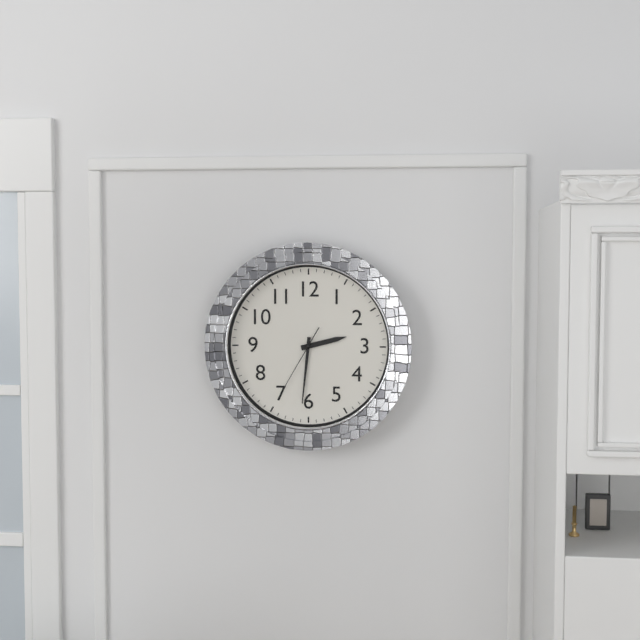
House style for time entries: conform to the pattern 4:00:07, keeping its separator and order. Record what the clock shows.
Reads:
2:31:35
